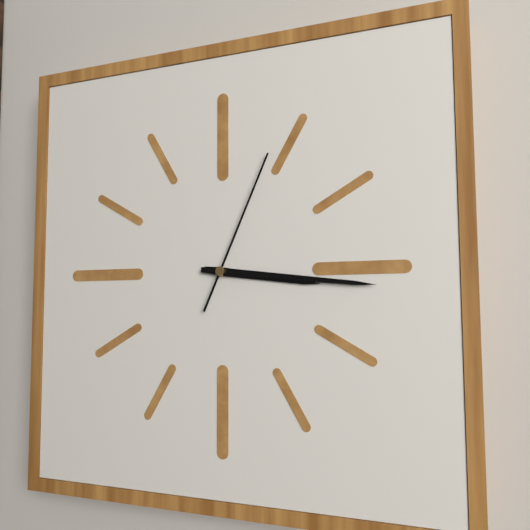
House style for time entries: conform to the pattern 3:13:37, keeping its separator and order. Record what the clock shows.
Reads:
3:16:04
